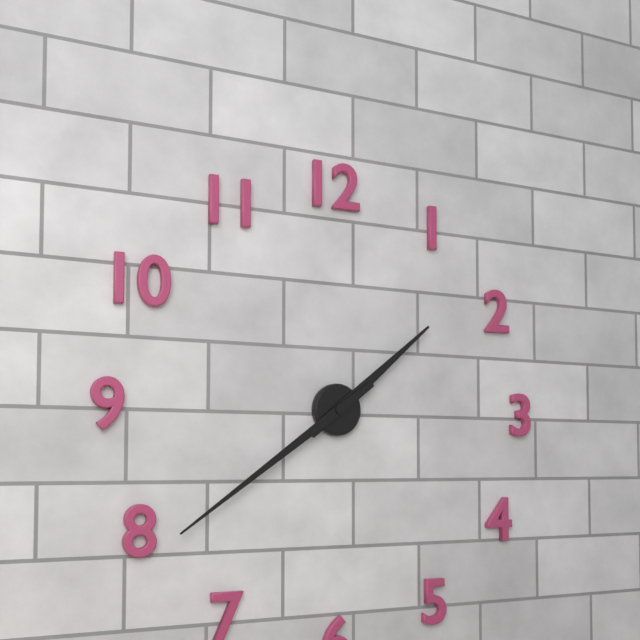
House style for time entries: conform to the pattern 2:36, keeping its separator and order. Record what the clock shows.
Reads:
1:39
